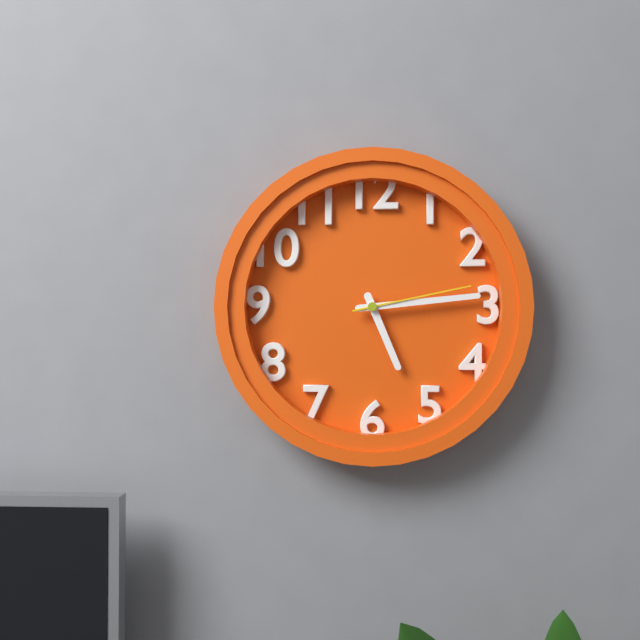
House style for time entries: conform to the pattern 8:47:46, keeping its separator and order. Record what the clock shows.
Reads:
5:14:13
